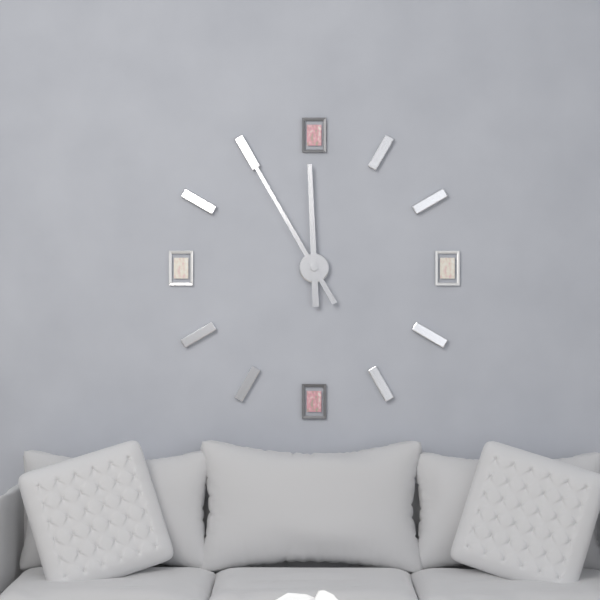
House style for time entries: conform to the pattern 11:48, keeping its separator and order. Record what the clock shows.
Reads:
11:55
